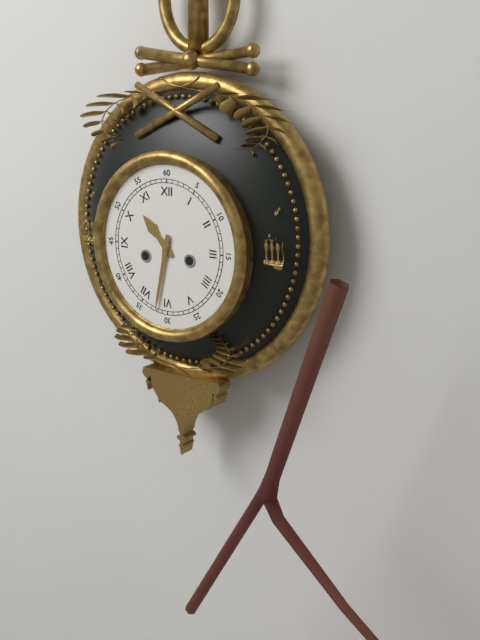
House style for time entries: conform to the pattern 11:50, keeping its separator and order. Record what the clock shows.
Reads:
10:32
